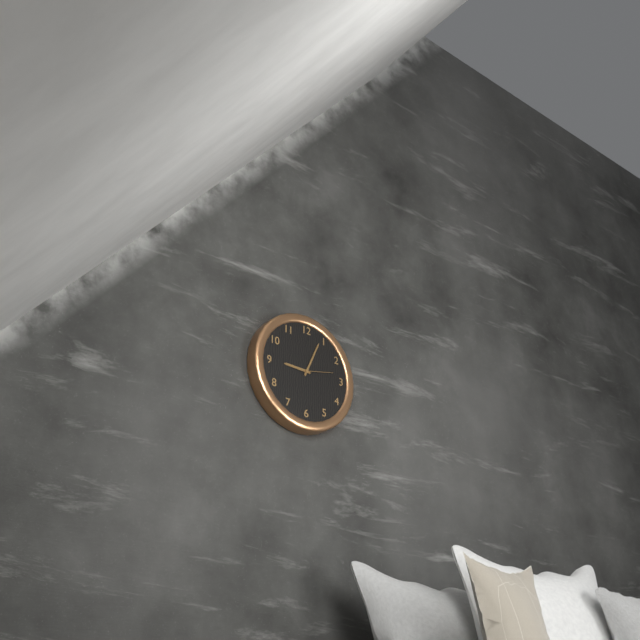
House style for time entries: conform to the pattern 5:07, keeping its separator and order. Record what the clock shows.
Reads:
9:04
